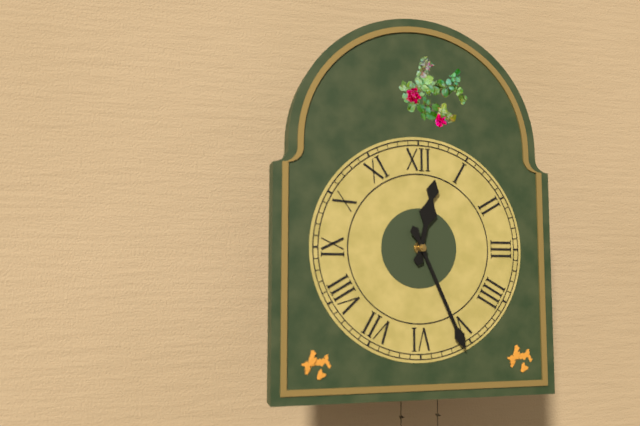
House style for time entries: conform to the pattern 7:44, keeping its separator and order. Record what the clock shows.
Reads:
12:26
